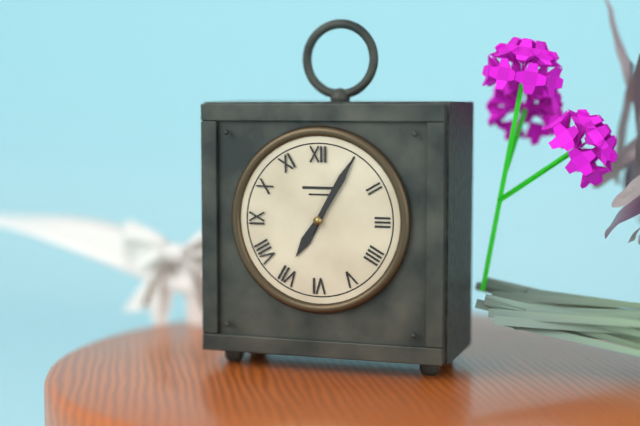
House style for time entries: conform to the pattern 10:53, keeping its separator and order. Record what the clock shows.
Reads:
7:05
